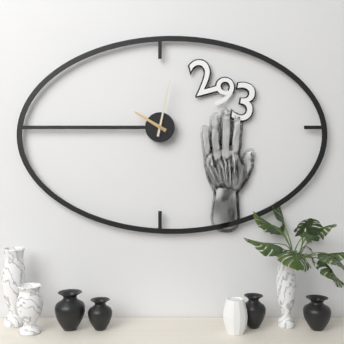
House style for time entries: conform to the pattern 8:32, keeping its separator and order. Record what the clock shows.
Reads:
10:02
